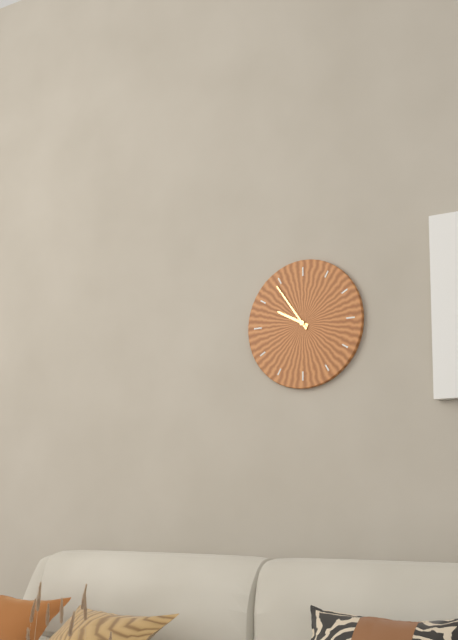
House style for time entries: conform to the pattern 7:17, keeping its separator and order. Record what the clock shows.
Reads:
9:54
